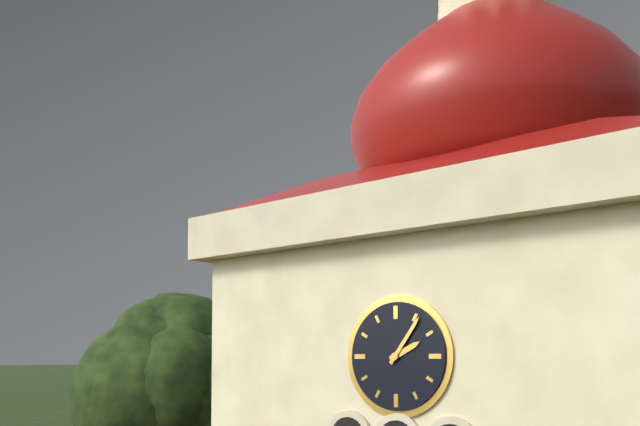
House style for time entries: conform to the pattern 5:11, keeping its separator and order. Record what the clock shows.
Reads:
2:06
